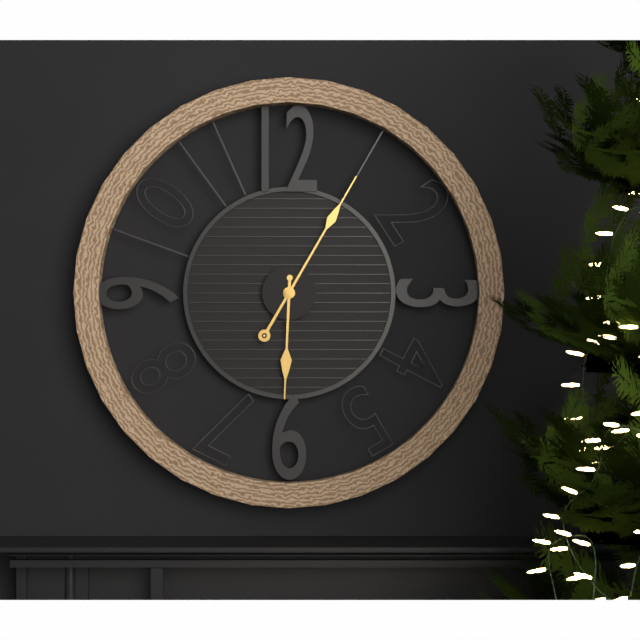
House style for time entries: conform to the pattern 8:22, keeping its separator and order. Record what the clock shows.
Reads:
6:05
